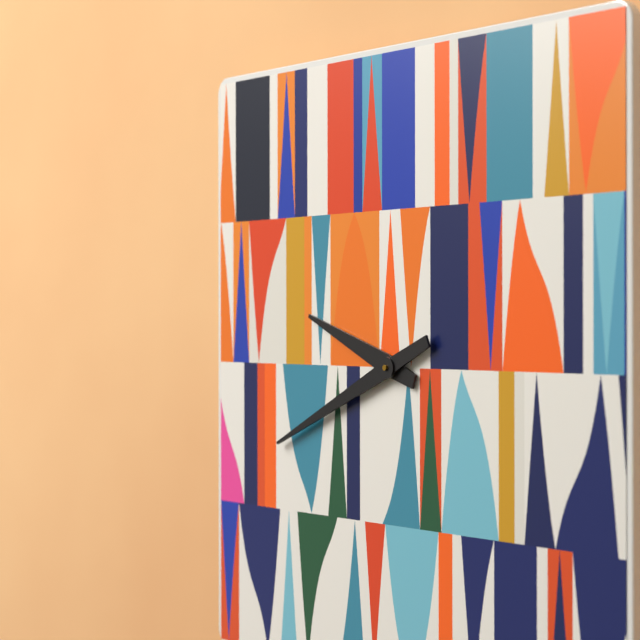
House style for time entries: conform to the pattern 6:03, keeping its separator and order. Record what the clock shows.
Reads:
9:41
